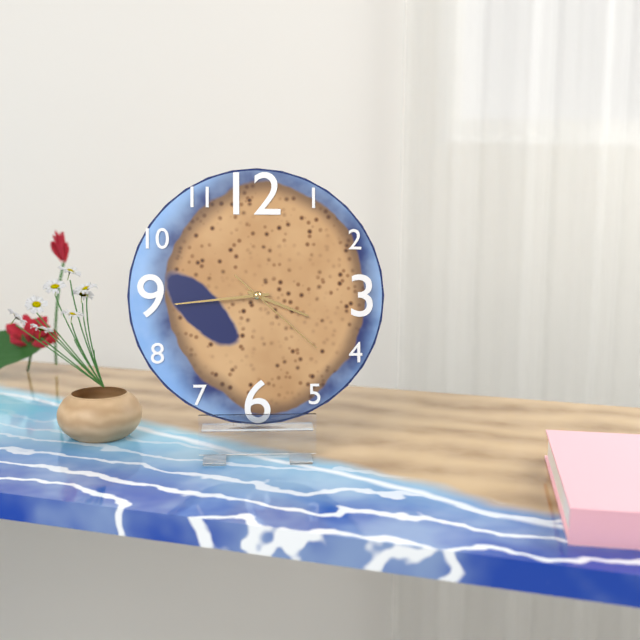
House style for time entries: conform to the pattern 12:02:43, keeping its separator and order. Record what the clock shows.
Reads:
3:44:22
